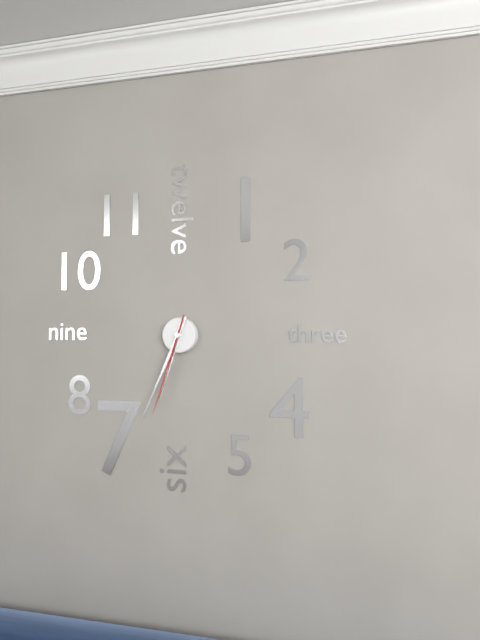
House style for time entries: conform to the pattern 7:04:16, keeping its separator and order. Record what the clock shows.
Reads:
6:34:33
